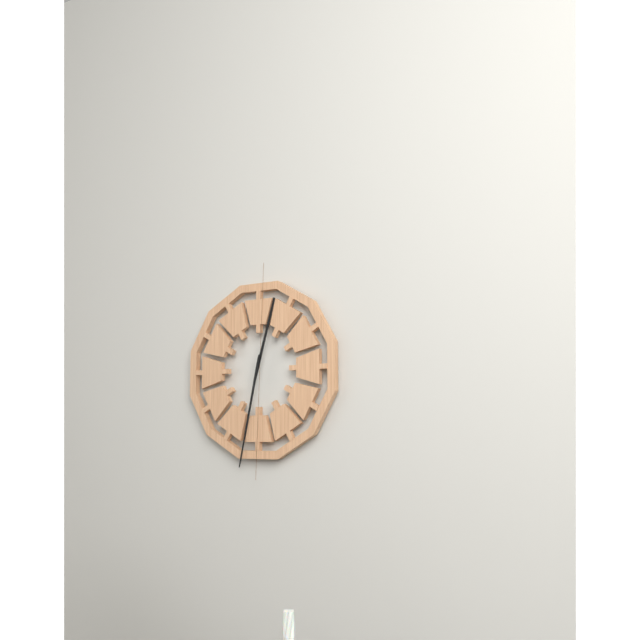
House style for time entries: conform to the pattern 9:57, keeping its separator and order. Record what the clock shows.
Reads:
12:32
